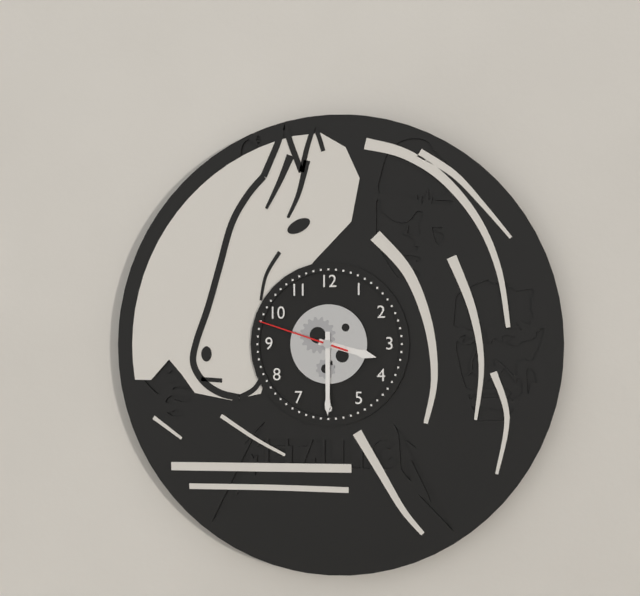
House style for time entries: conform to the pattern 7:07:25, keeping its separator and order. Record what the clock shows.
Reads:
3:30:48
